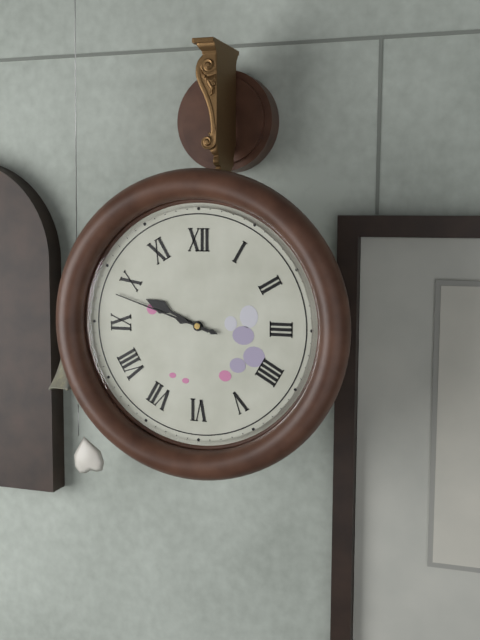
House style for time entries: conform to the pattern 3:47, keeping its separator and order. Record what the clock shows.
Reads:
9:48
